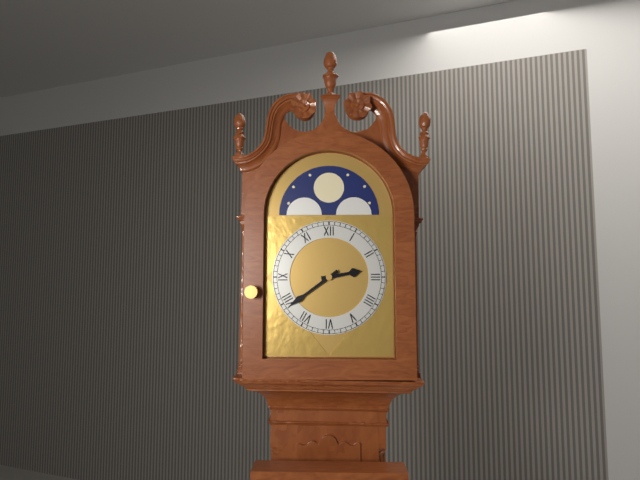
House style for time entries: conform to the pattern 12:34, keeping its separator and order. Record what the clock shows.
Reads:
2:39
